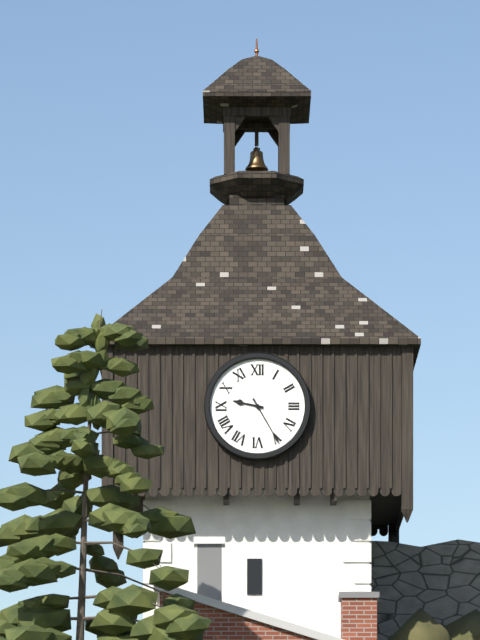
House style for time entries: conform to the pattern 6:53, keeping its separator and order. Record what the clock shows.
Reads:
9:25
